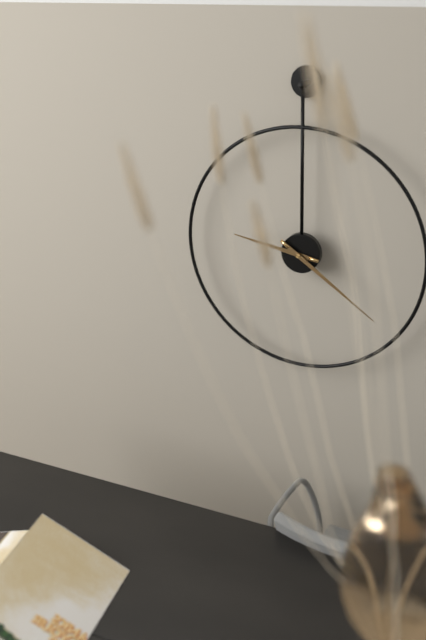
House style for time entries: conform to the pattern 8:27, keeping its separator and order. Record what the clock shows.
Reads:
9:21
